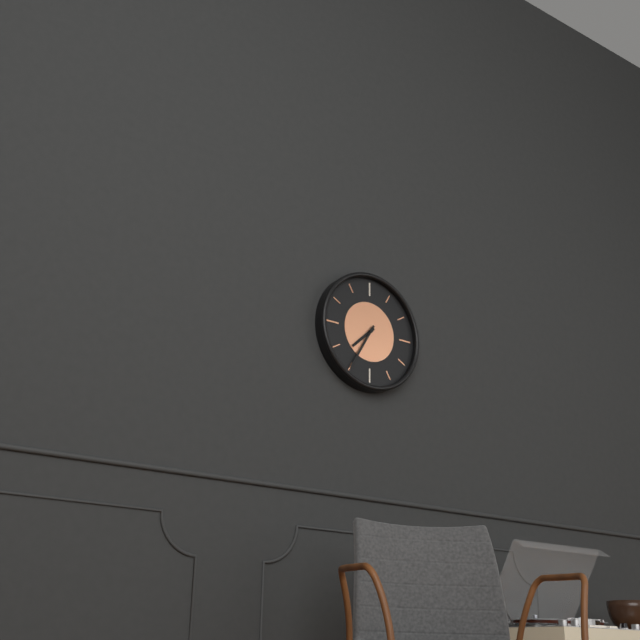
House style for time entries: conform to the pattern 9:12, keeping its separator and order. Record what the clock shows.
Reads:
7:35
